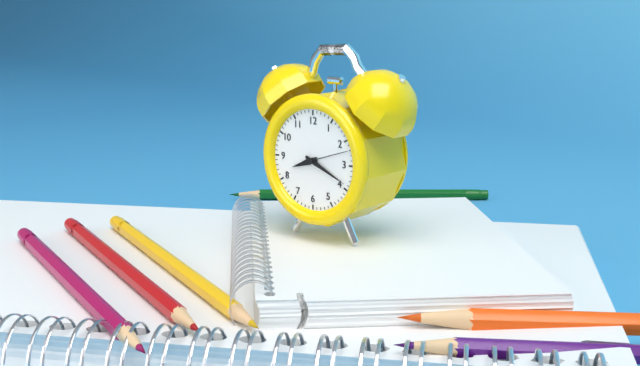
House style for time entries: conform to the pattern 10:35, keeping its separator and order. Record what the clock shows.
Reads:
8:19
